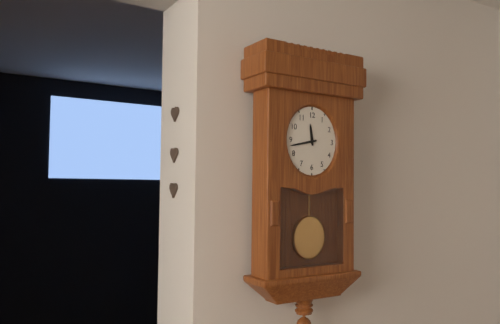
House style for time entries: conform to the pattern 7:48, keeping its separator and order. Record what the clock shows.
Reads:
11:43
